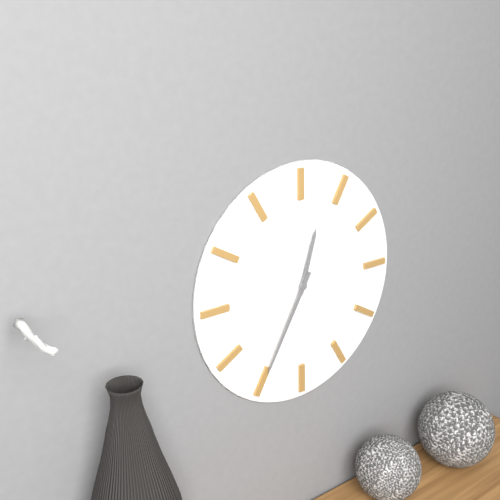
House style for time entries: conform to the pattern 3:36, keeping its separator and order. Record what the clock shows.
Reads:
12:35
